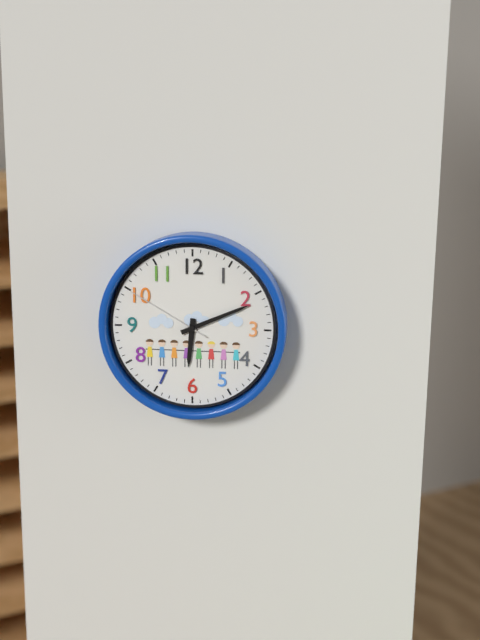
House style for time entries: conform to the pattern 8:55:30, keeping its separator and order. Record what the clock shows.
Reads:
6:11:50
